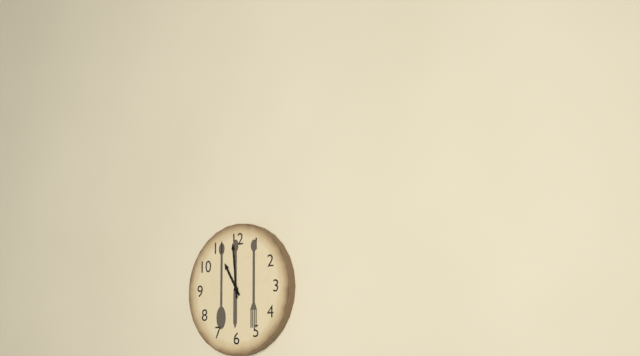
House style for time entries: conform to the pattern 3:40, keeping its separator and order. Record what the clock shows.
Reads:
10:59
